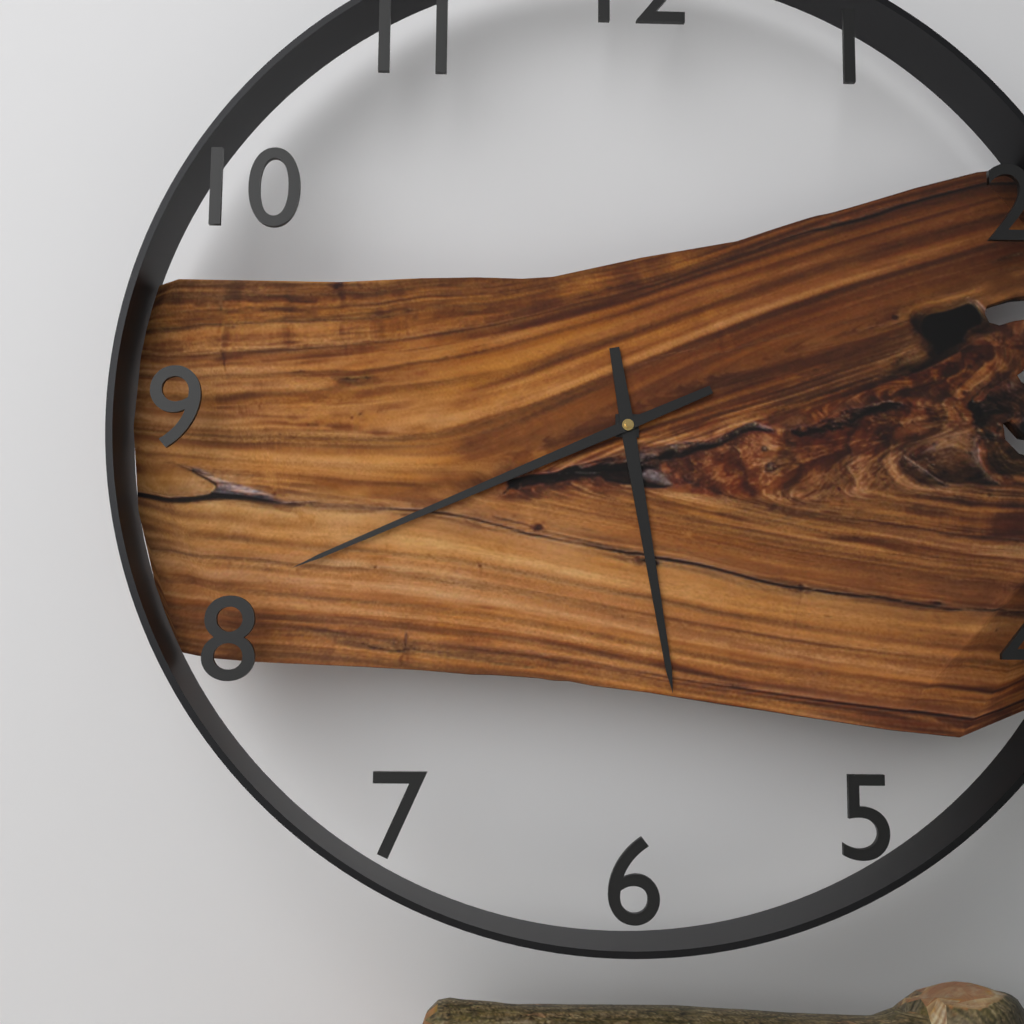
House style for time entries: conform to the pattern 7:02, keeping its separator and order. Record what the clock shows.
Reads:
5:41
